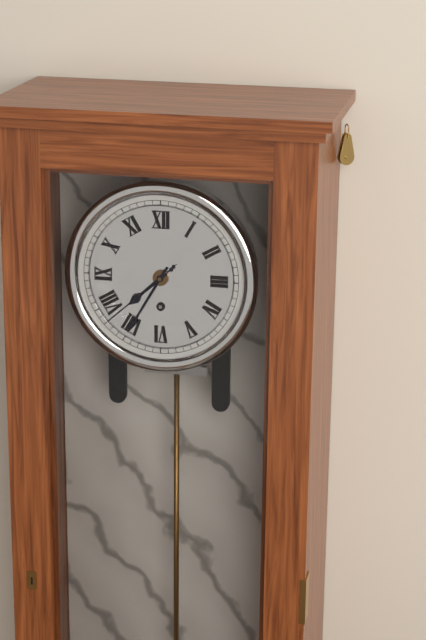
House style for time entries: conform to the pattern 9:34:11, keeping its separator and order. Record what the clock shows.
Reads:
7:35:38
